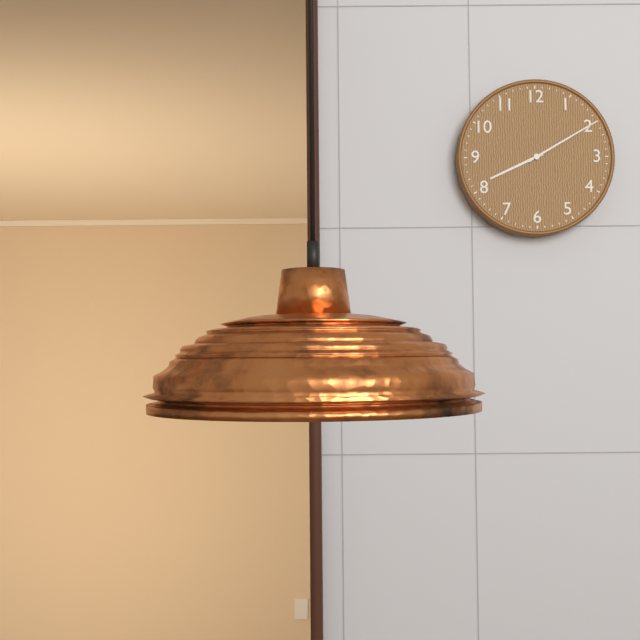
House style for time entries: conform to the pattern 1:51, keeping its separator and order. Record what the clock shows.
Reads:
8:10
